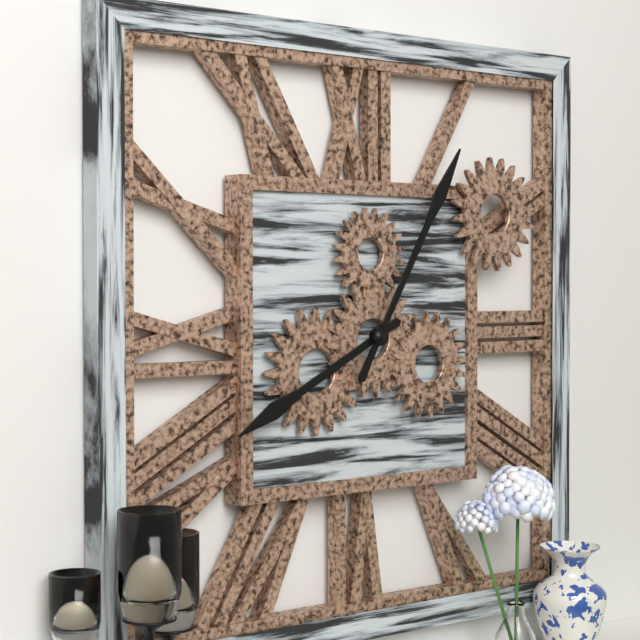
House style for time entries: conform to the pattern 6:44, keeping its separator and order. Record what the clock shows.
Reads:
8:05
